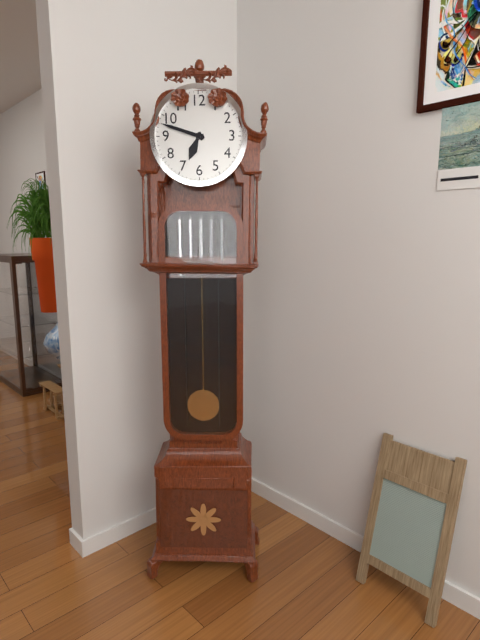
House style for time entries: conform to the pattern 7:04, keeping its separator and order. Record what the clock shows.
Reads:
6:48
